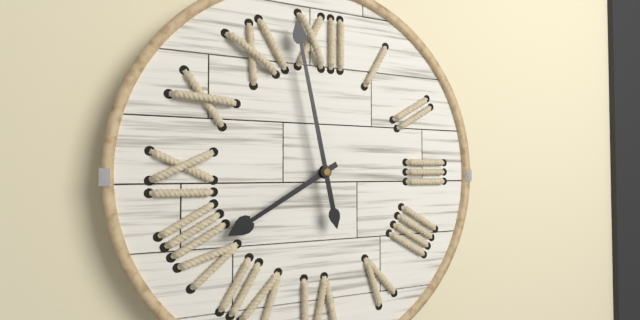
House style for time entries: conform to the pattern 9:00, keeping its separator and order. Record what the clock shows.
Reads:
7:58
